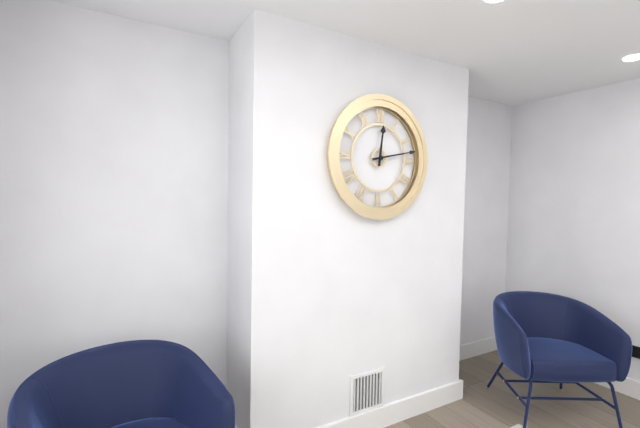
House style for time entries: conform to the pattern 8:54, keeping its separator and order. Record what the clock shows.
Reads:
12:13
